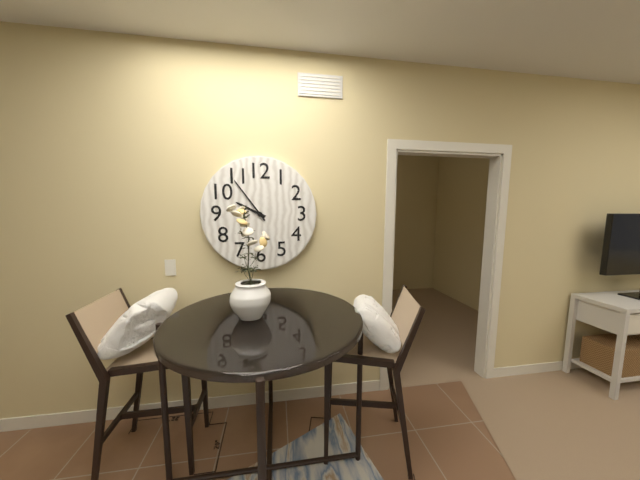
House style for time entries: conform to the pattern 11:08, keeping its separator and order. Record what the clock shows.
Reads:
9:54
